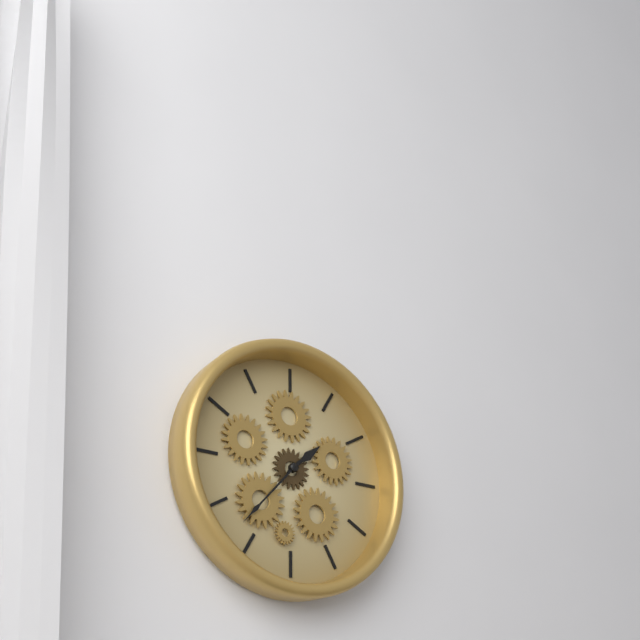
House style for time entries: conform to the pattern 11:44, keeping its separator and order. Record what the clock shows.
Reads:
1:37
